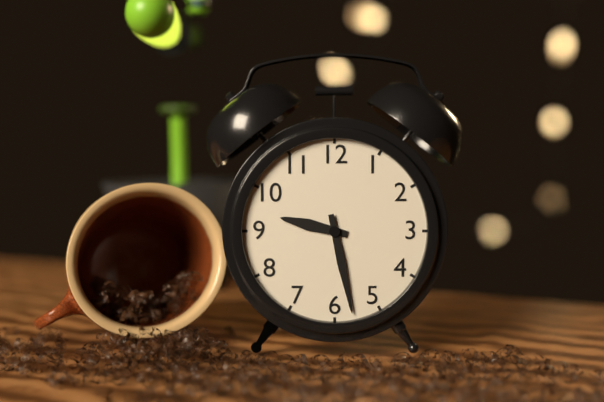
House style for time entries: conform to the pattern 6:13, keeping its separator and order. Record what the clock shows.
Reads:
9:28
